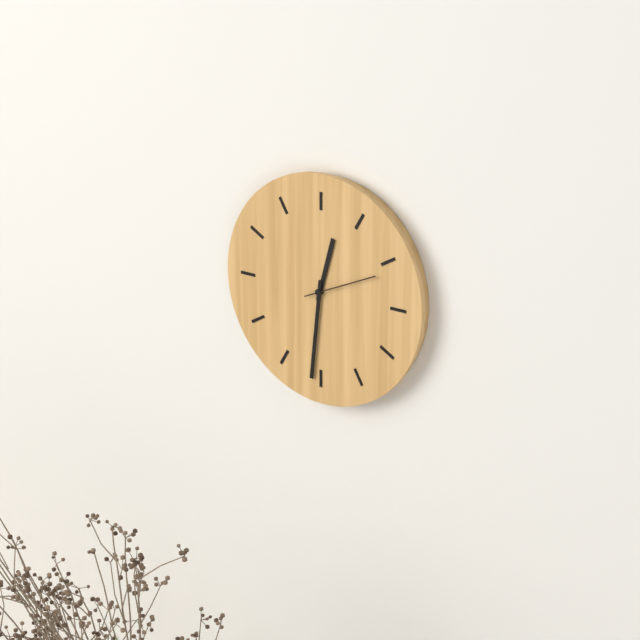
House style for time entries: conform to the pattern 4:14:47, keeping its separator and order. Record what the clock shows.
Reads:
12:31:11
